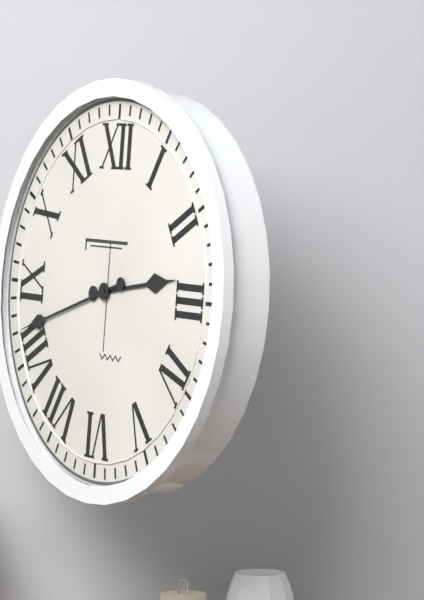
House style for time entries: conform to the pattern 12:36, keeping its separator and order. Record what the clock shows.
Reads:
2:42
